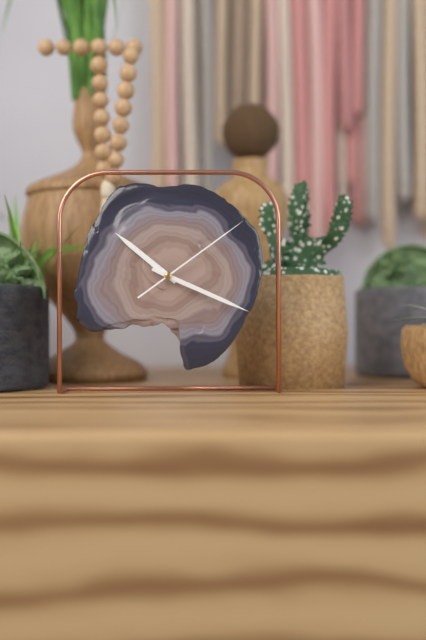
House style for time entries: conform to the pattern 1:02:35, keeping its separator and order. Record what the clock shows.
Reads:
10:19:09
